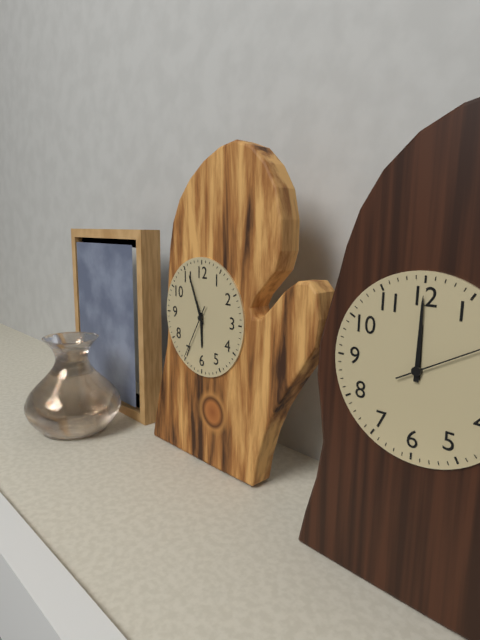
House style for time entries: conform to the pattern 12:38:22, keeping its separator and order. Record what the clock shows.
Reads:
5:56:35
